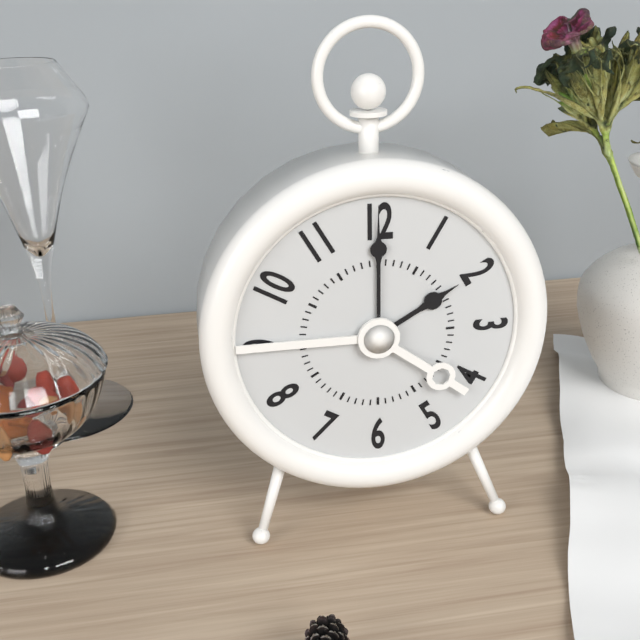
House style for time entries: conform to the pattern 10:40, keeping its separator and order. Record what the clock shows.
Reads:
2:00
